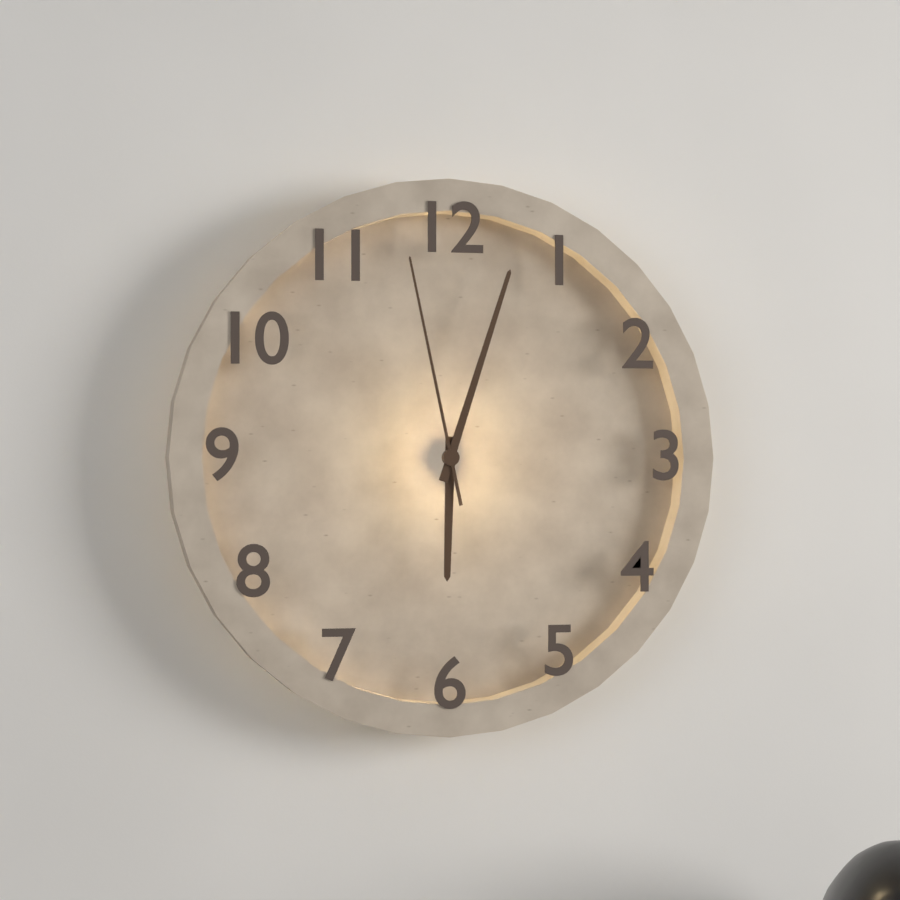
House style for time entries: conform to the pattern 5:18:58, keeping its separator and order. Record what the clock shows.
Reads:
6:03:58
